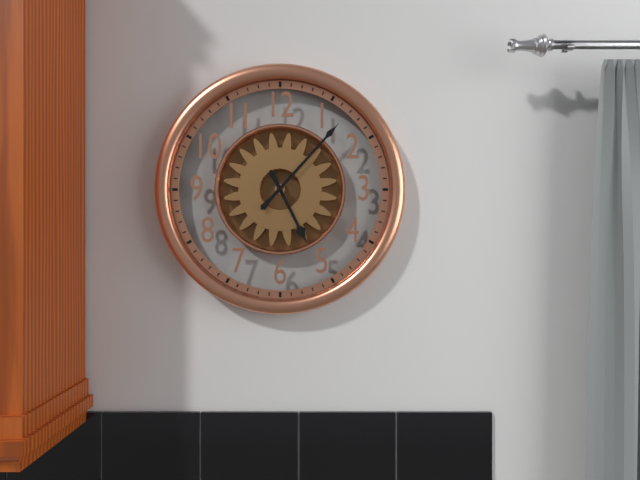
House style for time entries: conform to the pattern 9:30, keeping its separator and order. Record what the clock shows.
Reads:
5:07
